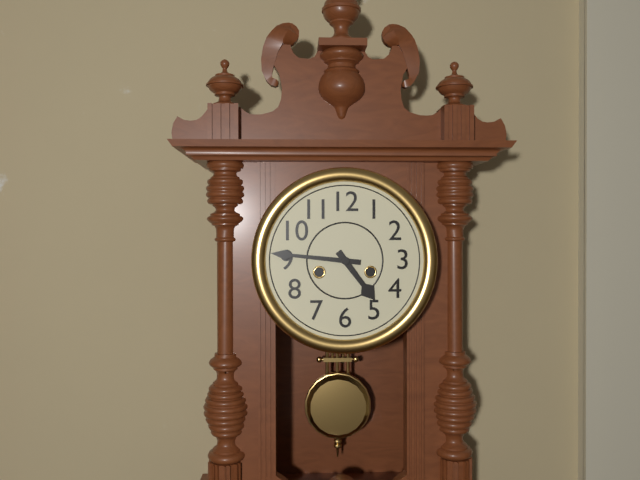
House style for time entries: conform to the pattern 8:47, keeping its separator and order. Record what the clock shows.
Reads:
4:46
